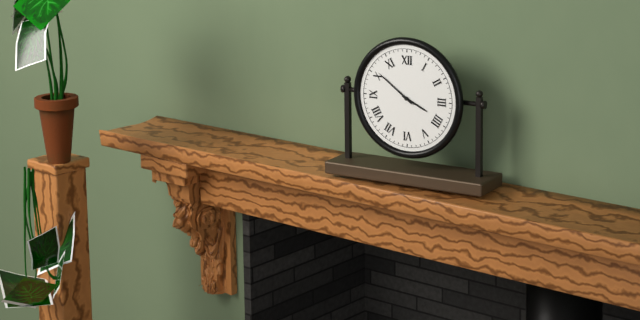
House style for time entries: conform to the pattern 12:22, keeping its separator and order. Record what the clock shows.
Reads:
3:51
